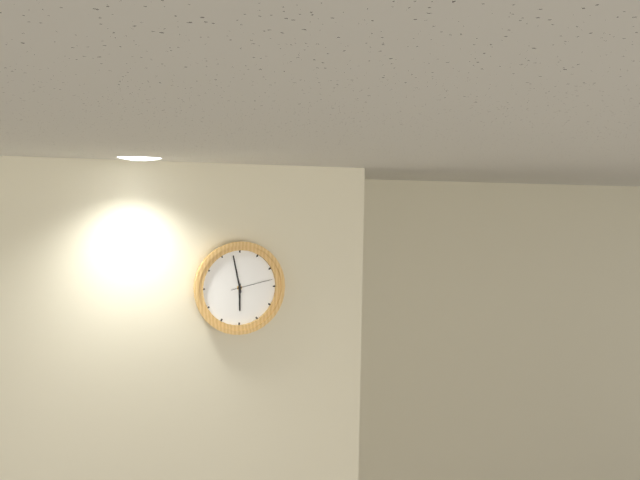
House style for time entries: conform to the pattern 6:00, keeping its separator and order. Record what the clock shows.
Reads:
5:58
